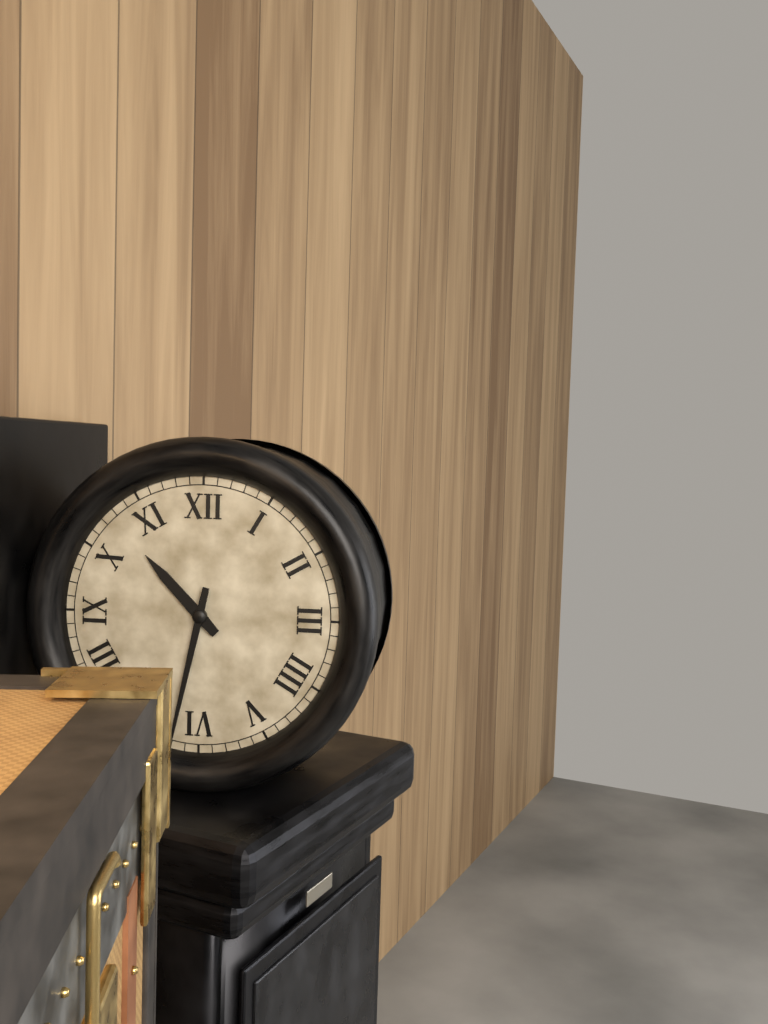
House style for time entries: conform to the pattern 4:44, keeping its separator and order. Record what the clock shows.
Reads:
10:32
